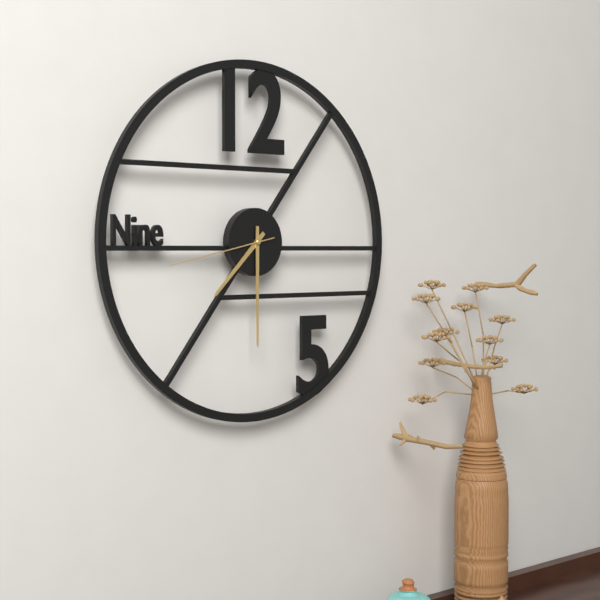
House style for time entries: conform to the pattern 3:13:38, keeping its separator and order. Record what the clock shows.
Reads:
7:30:43
